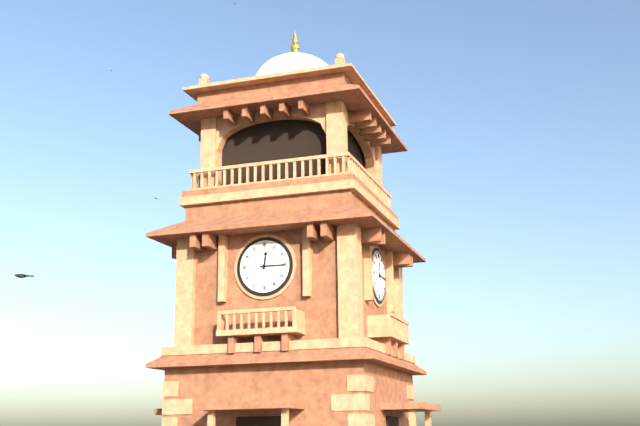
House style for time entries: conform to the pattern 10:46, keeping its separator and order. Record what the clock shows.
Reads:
12:15
